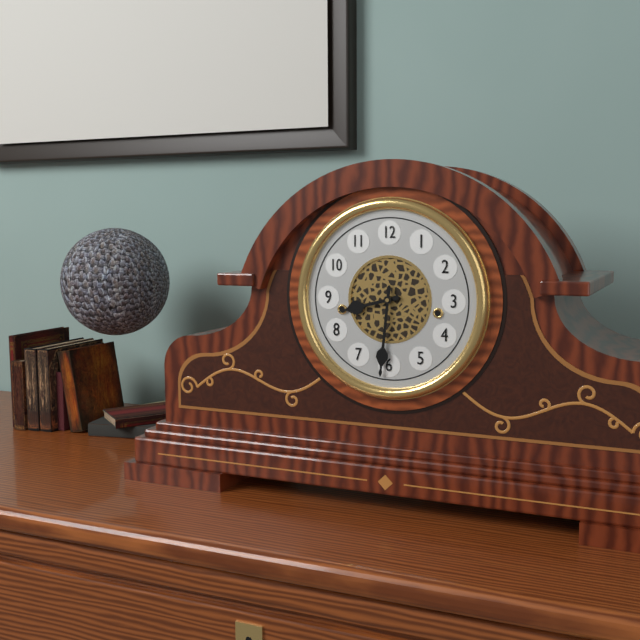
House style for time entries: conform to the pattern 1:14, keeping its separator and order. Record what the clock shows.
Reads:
8:31
